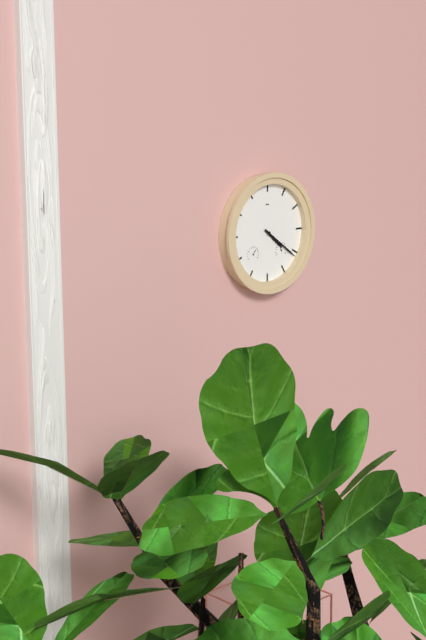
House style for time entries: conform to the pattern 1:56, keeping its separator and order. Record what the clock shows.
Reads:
4:21
